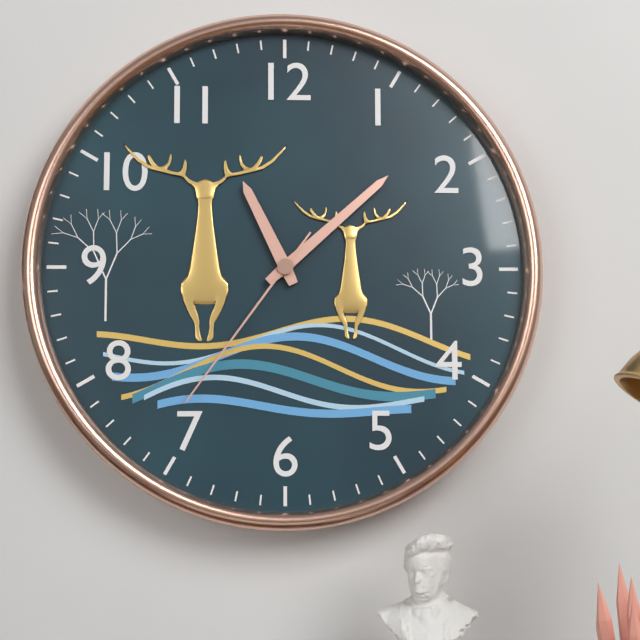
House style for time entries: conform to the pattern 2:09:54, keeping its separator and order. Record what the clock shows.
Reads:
11:08:36
